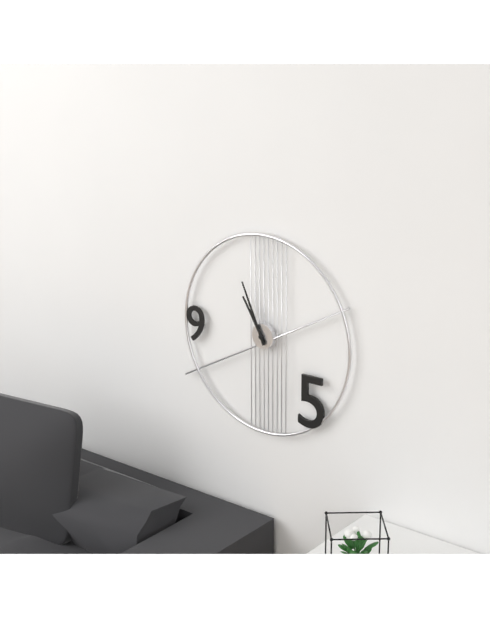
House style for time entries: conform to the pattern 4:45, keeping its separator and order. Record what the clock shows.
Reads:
10:56
